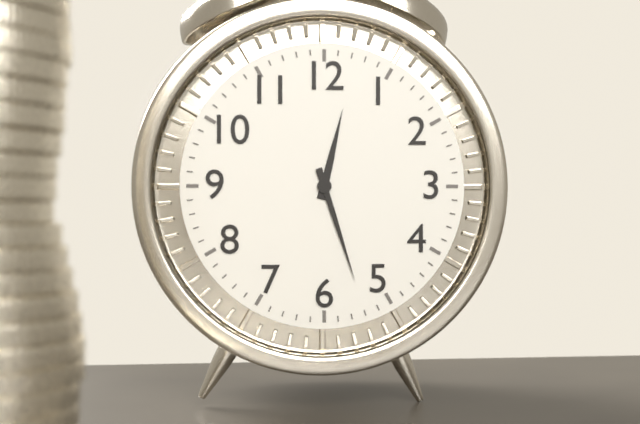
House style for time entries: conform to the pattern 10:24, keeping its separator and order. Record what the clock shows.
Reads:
12:27
